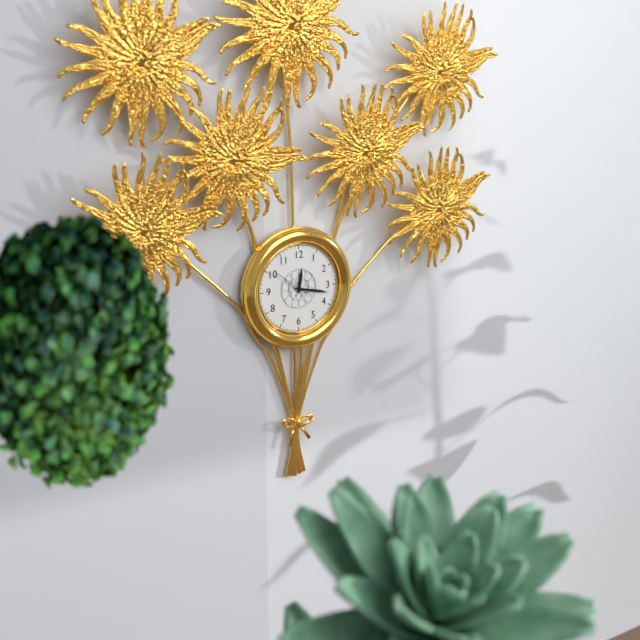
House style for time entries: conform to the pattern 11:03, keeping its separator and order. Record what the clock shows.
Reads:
12:17
